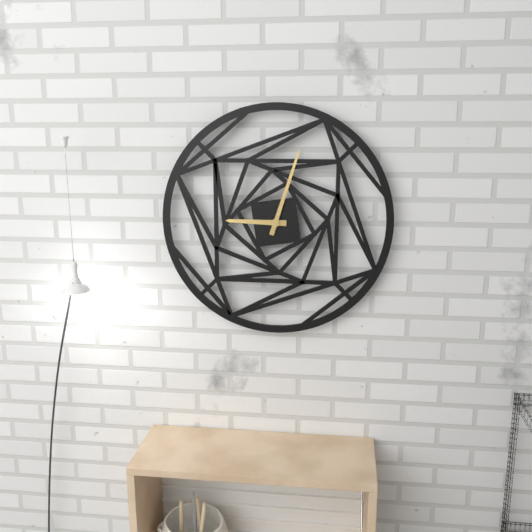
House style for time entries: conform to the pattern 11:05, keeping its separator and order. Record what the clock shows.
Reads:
9:03
